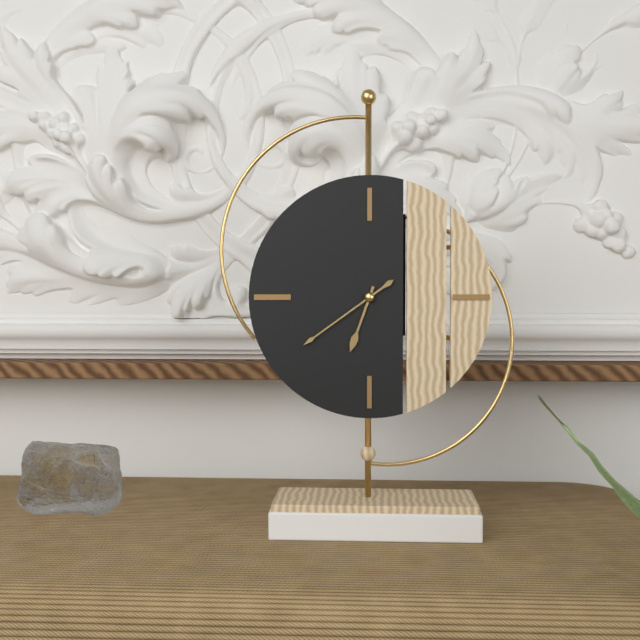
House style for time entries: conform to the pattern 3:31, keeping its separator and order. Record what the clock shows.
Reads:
6:39
